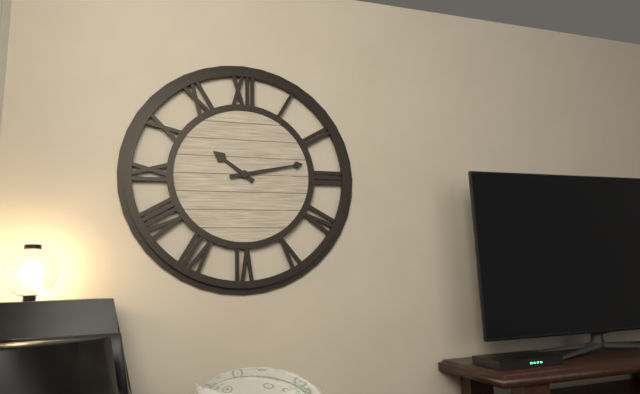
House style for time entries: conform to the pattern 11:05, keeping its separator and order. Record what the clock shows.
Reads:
10:13
